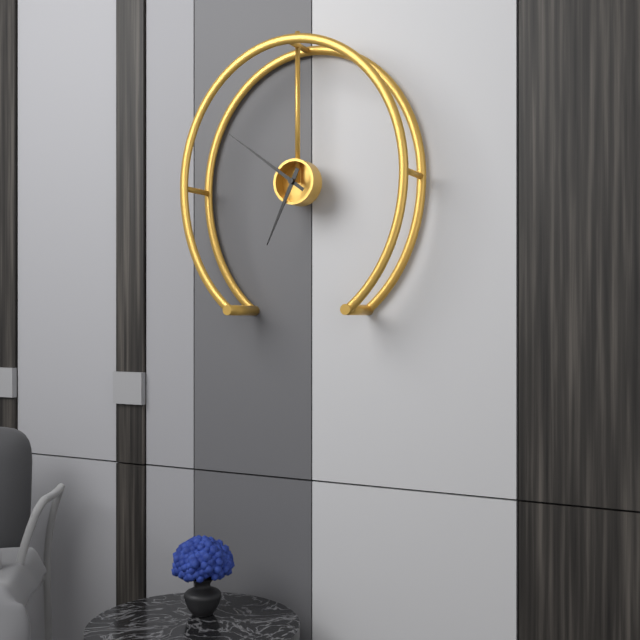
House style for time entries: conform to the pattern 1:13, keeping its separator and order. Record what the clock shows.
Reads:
6:51
